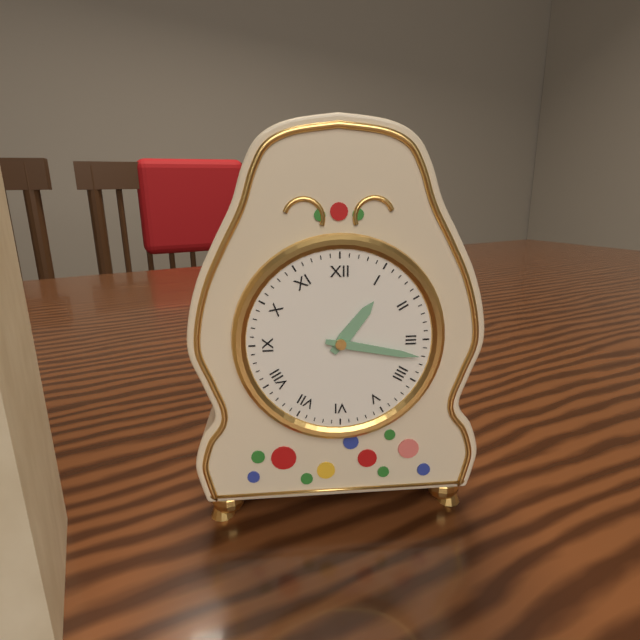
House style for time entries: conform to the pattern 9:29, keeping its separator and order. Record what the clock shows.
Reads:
1:17
